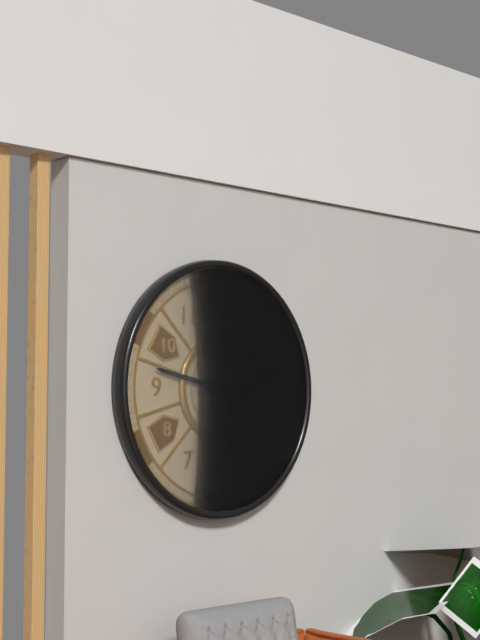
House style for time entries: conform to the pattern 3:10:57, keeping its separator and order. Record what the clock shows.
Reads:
2:47:17
